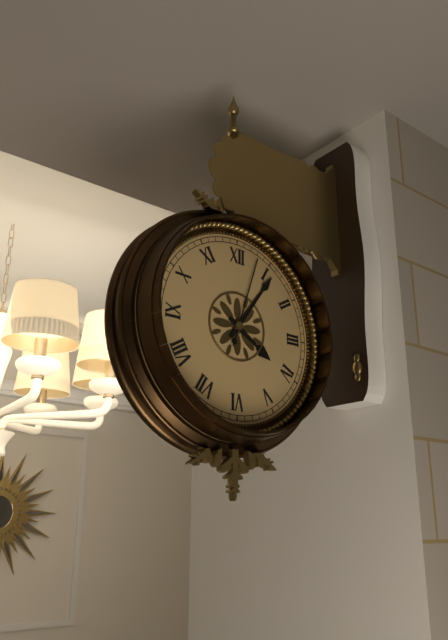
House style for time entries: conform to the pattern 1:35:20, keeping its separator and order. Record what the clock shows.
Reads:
4:06:03
